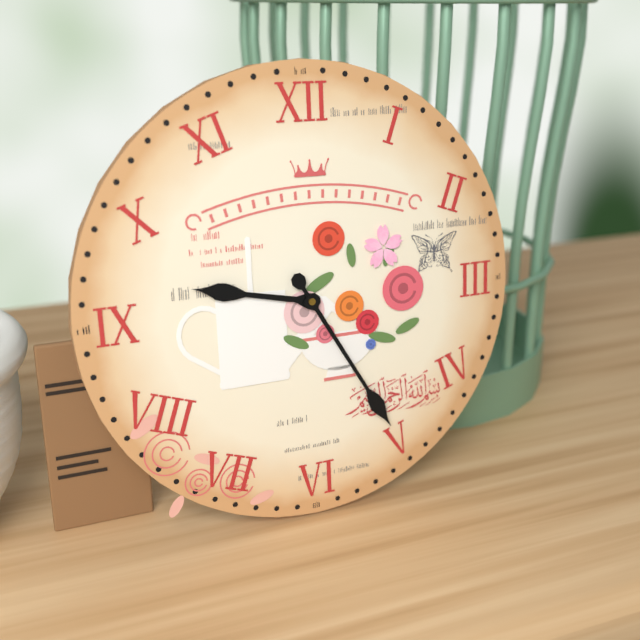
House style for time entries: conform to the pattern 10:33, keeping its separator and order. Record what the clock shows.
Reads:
9:25
